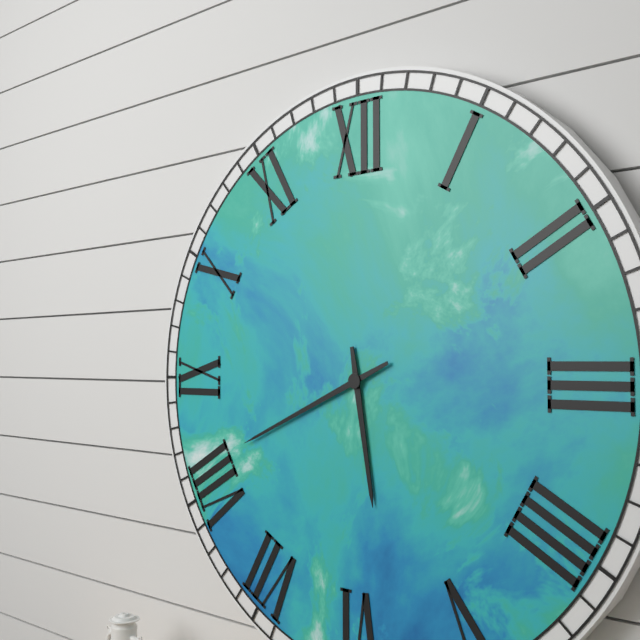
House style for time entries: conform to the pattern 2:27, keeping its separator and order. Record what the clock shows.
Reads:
5:41
